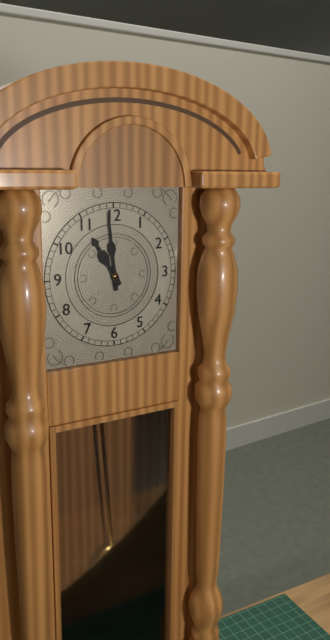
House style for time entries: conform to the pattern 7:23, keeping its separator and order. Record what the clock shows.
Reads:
10:59
